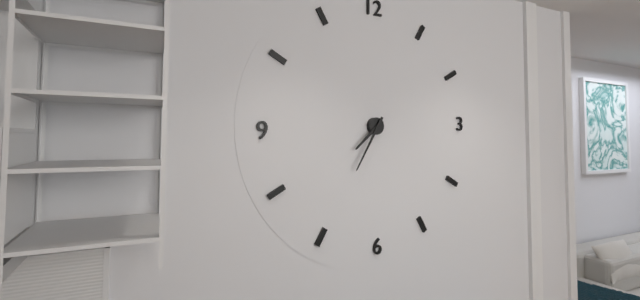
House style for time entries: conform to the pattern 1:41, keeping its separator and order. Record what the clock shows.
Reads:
7:35
